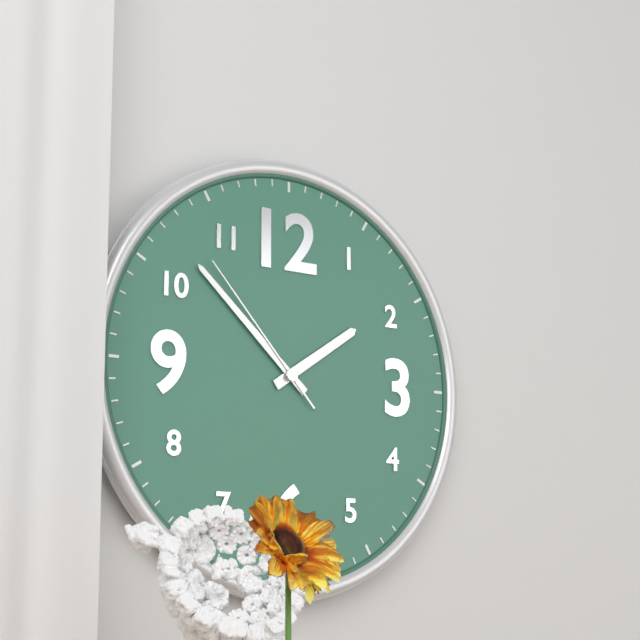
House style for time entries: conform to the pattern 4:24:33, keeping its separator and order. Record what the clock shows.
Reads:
1:52:53
